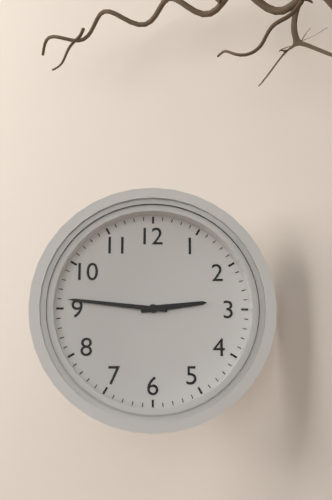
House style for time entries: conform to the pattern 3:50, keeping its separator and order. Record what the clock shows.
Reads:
2:46
